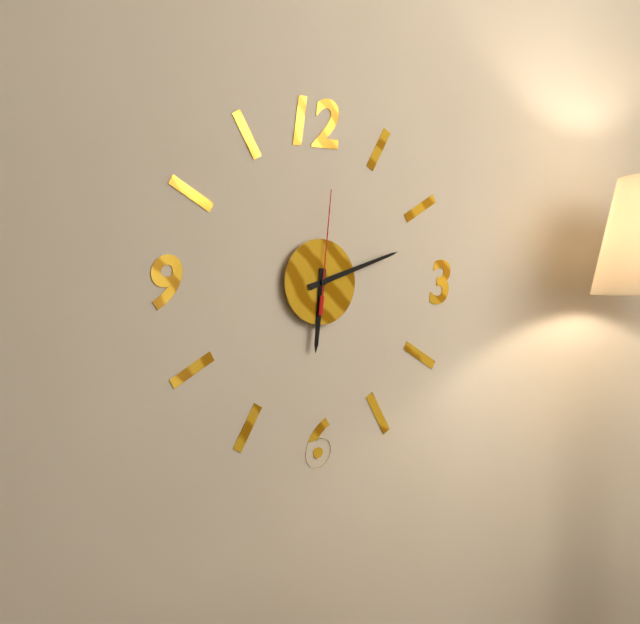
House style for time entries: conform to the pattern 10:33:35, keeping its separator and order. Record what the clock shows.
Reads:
6:12:01
